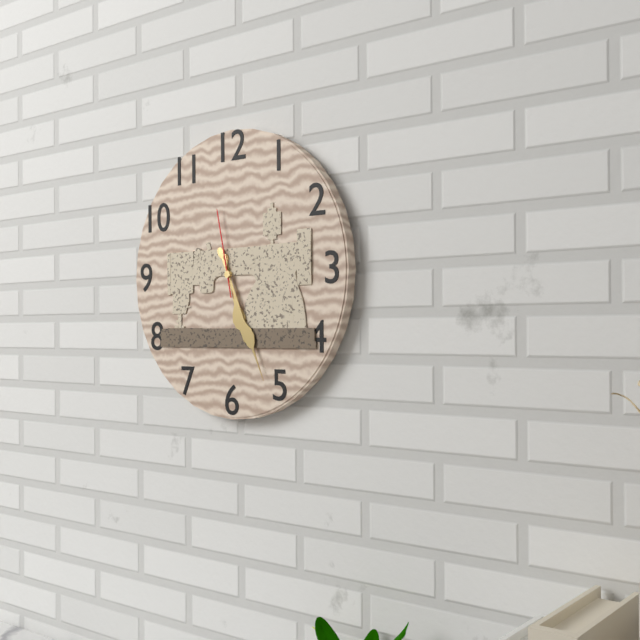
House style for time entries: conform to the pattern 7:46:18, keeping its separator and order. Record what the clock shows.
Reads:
5:26:58
